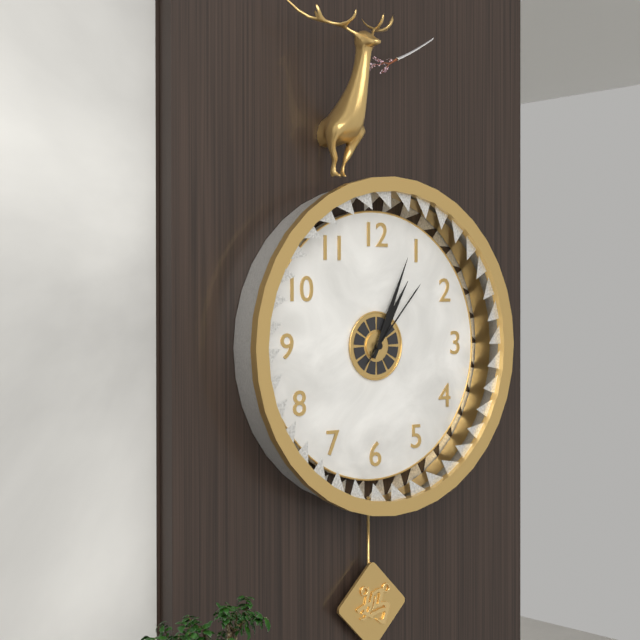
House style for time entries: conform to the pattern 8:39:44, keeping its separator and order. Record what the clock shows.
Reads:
1:04:07
